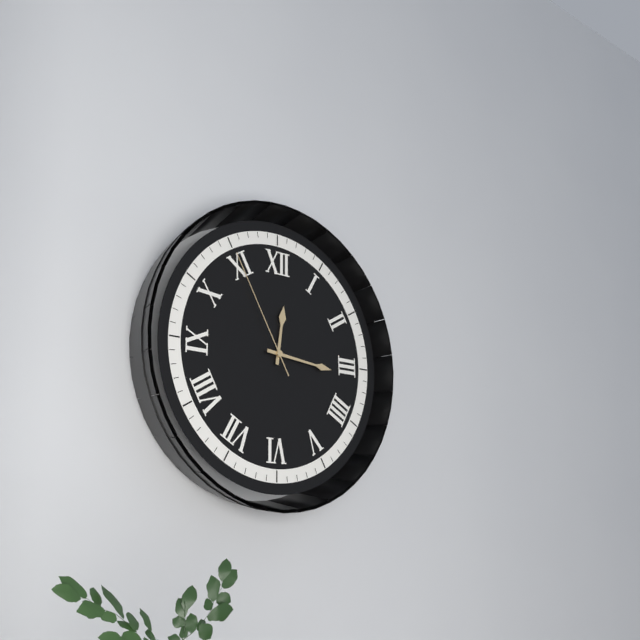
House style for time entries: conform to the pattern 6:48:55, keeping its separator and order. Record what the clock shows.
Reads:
12:16:55
